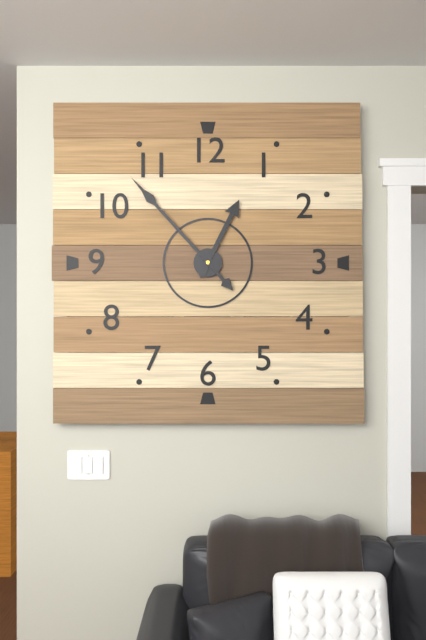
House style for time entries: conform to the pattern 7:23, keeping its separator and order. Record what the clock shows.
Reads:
12:53
